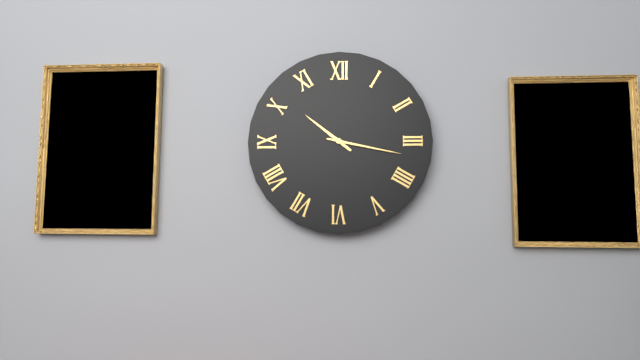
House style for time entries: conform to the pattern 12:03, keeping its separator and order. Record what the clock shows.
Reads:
10:17
